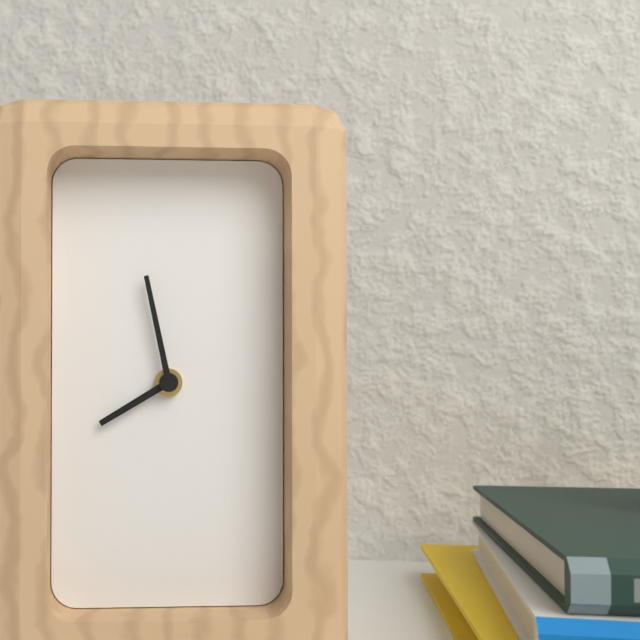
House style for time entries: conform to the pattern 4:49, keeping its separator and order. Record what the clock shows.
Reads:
7:58
